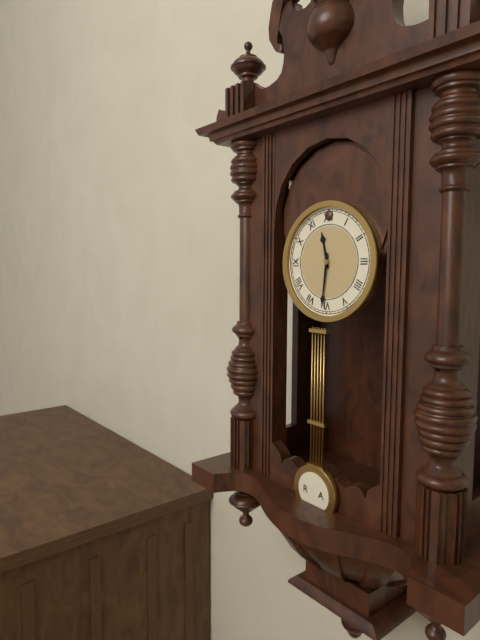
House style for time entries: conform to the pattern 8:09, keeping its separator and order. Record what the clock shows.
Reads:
11:31
